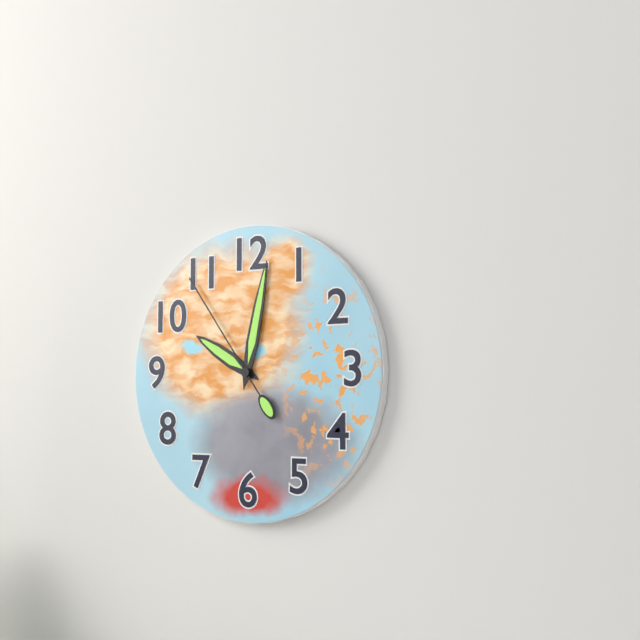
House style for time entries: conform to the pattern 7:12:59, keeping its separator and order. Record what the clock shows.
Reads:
10:02:54
